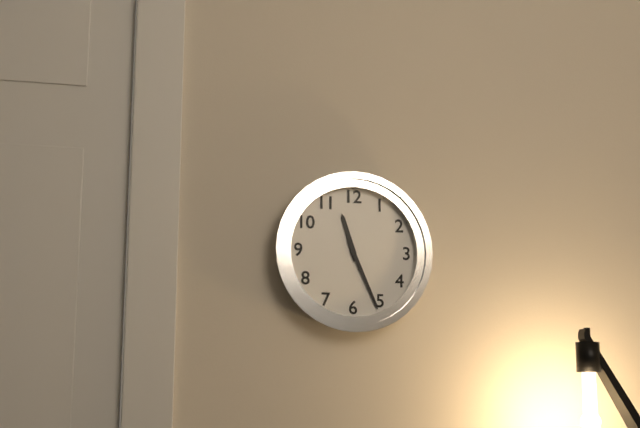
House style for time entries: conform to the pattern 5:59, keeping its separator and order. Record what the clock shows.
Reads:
11:26
